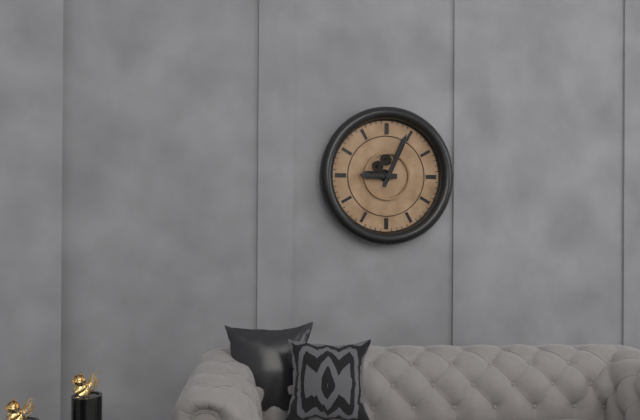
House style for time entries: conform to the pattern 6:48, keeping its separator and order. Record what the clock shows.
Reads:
9:04
